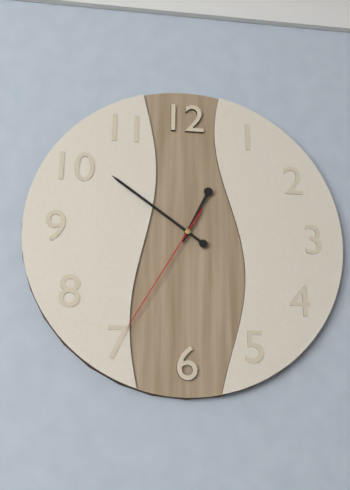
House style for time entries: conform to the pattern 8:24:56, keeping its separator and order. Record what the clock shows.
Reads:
12:51:35
